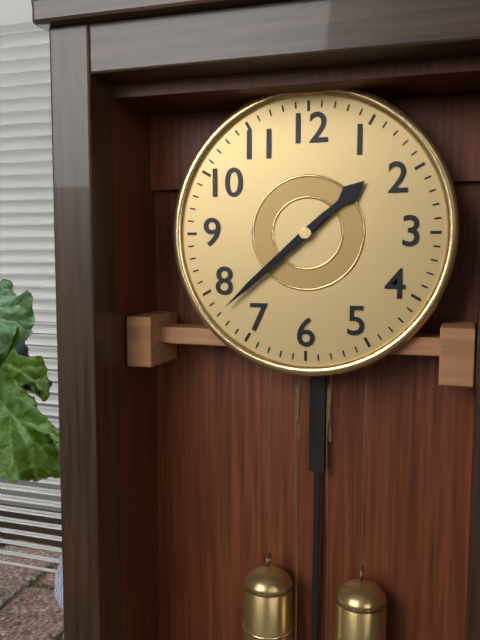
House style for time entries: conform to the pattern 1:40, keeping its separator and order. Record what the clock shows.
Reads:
1:38
